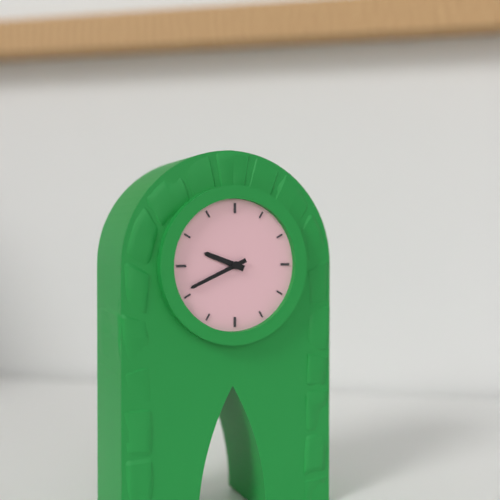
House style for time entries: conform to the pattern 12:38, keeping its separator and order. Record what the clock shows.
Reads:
9:41
